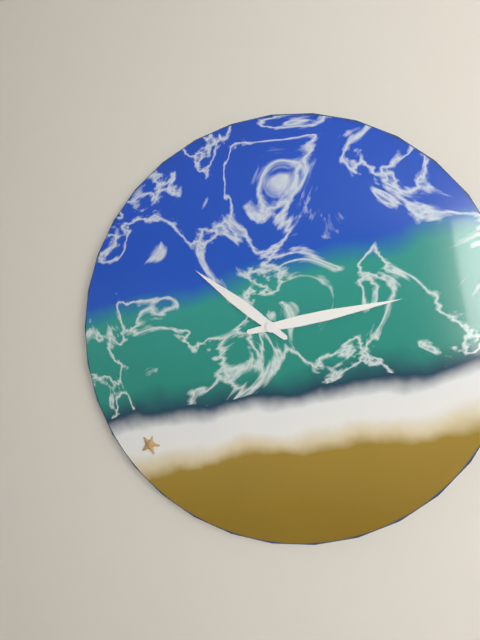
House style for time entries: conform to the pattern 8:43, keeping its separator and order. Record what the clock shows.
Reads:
10:13
